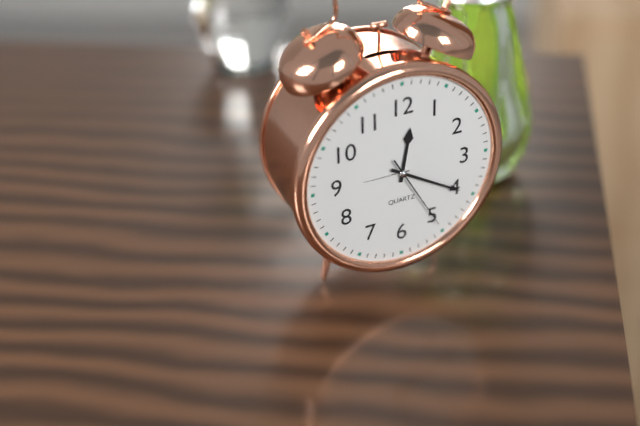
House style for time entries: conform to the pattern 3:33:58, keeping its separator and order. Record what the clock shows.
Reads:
12:20:25
